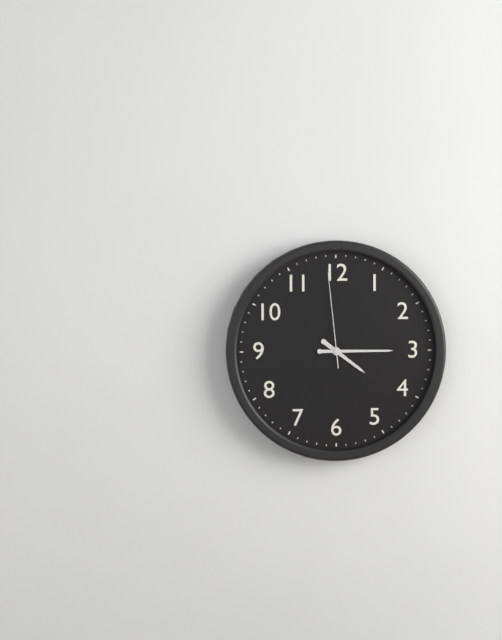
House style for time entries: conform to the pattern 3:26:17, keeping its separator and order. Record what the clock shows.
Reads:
4:15:59
